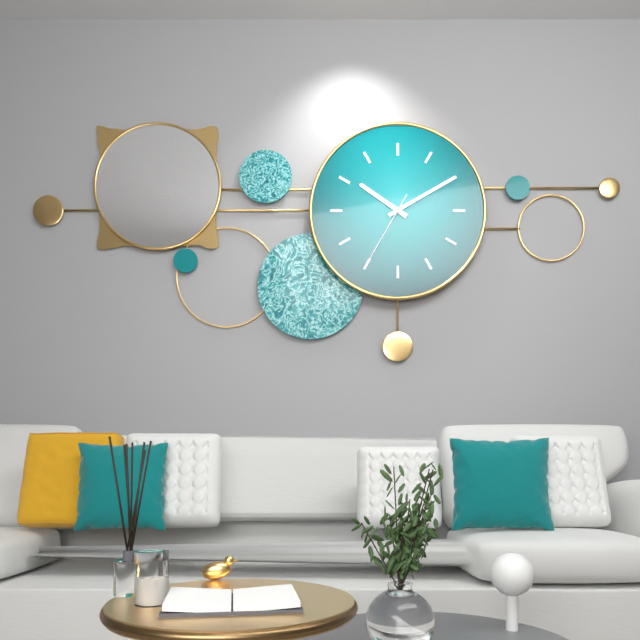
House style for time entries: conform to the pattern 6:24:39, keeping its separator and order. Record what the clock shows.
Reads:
10:10:35
